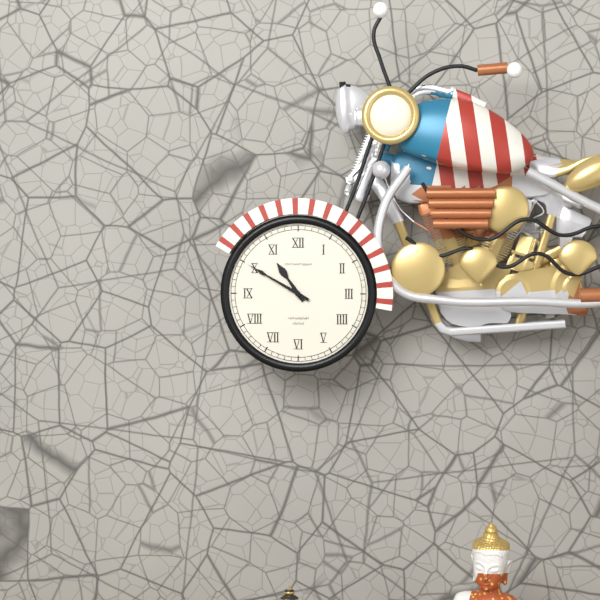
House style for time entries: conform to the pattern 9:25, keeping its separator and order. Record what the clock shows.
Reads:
10:50
